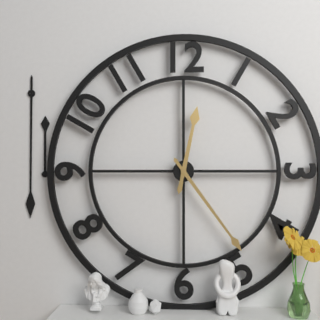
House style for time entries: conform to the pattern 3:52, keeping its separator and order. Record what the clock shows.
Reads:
12:24
